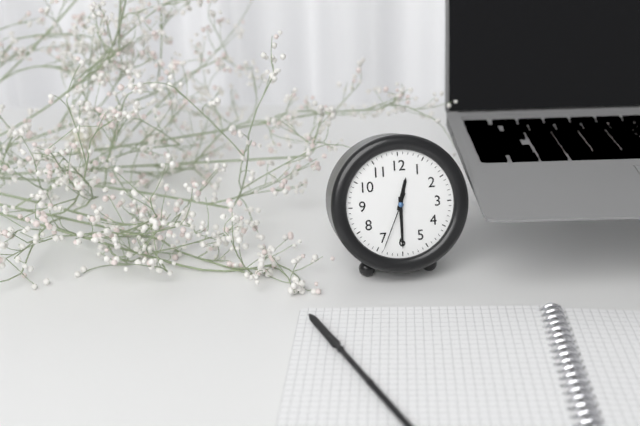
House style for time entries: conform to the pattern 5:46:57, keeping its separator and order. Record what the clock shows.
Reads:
12:30:34
